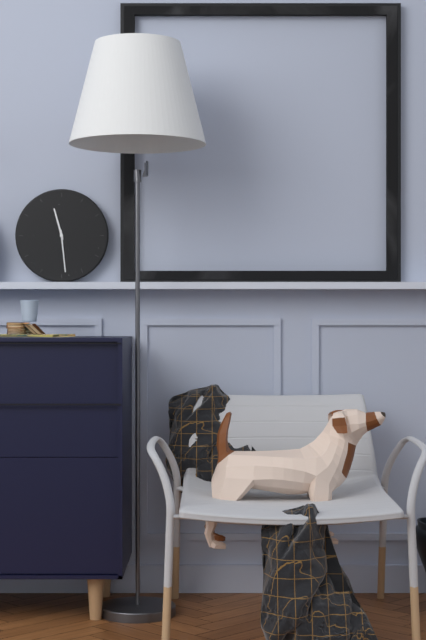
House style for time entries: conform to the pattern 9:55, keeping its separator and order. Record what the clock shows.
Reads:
11:29
